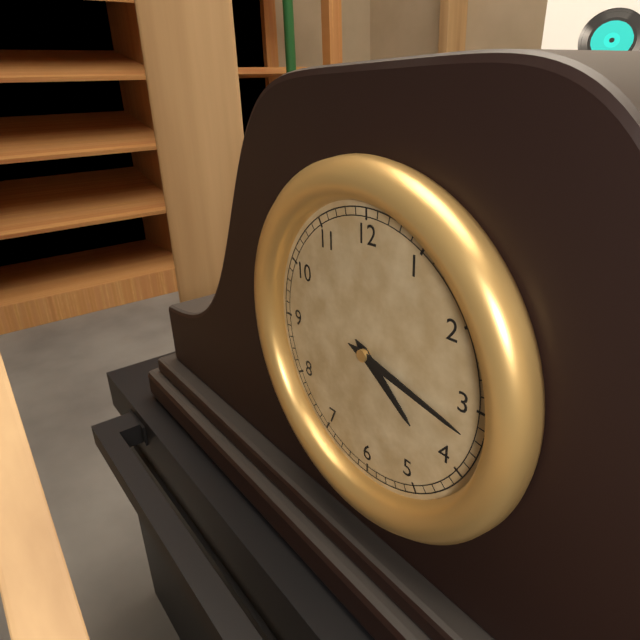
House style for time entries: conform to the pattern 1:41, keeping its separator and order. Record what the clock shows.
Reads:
4:17
